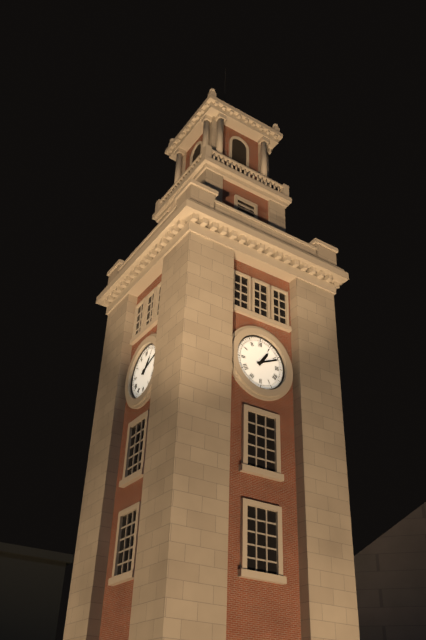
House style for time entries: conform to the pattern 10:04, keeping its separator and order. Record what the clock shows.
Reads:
1:11
